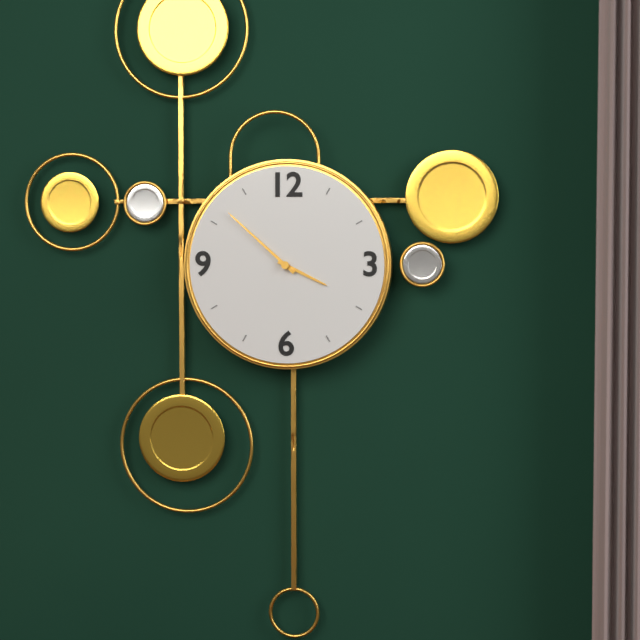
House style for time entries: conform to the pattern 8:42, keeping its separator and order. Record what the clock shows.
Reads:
3:52
